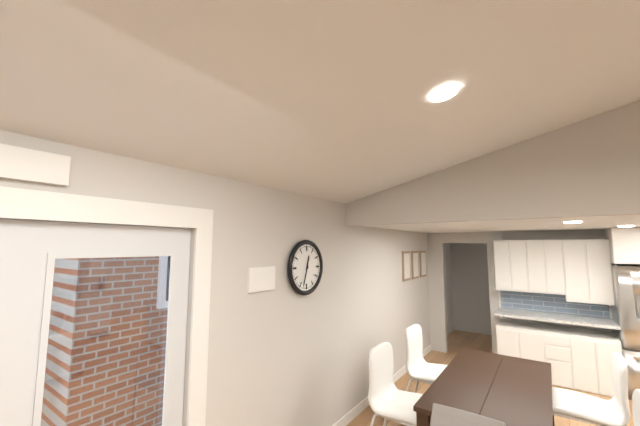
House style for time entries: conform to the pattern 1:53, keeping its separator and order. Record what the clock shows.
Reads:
12:33
